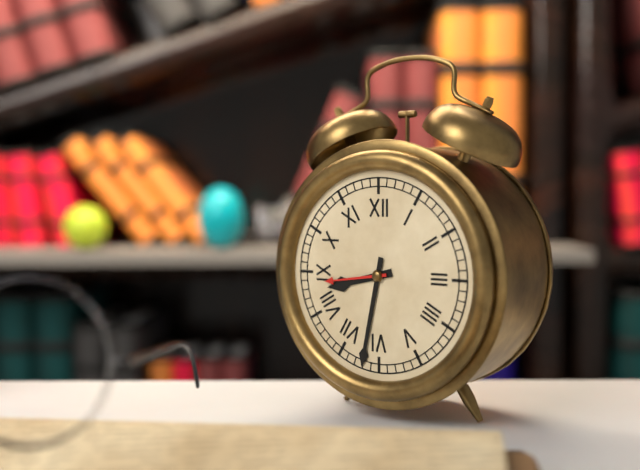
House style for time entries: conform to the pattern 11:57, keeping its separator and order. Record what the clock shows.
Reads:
8:32
